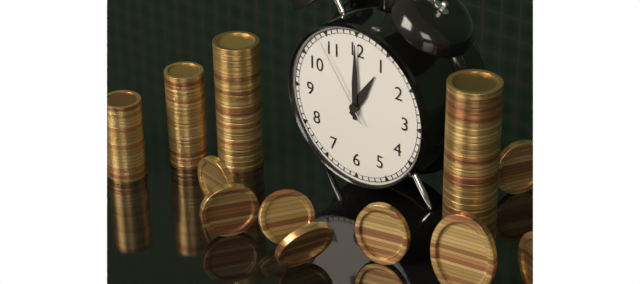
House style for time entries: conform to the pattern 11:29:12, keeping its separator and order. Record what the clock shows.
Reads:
1:00:54
